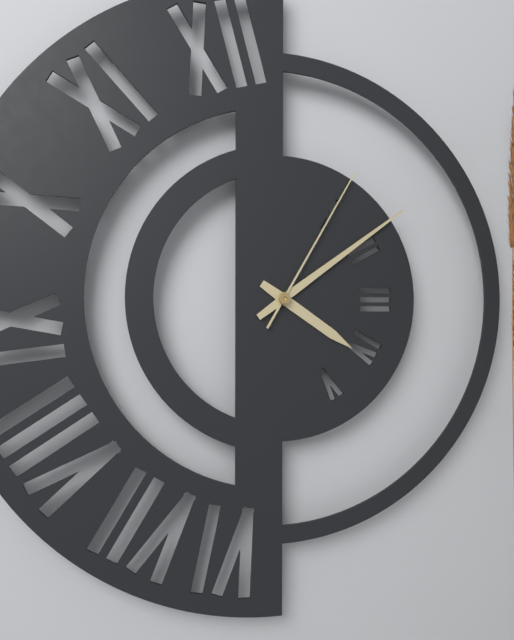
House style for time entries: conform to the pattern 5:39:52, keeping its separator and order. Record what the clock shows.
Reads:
4:09:05
